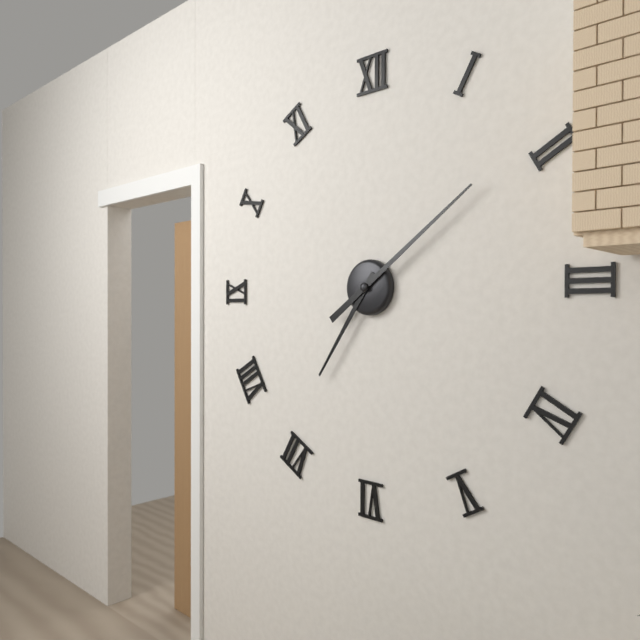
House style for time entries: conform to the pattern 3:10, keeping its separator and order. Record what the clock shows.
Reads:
7:09
